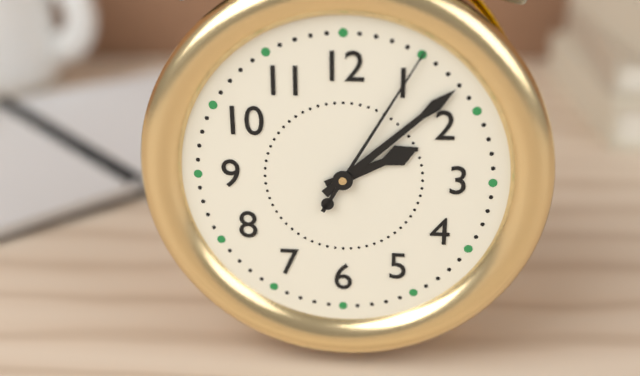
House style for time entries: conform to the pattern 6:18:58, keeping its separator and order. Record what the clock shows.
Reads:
2:08:05
